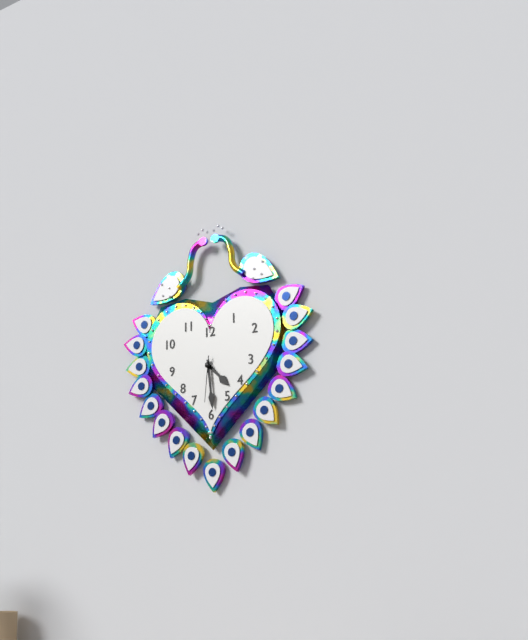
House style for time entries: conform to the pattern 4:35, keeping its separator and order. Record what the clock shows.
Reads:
4:29
